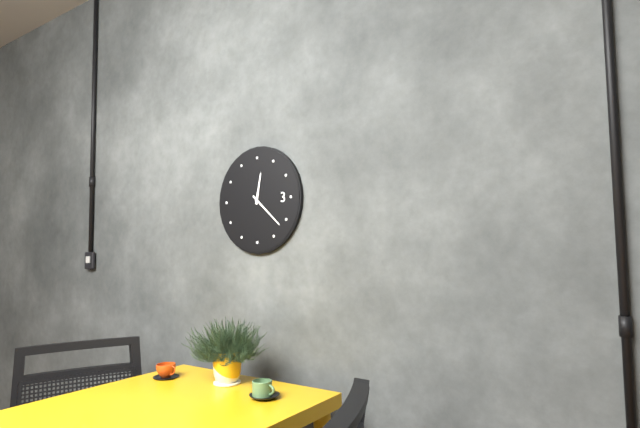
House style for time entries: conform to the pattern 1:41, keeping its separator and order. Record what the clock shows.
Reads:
12:22
